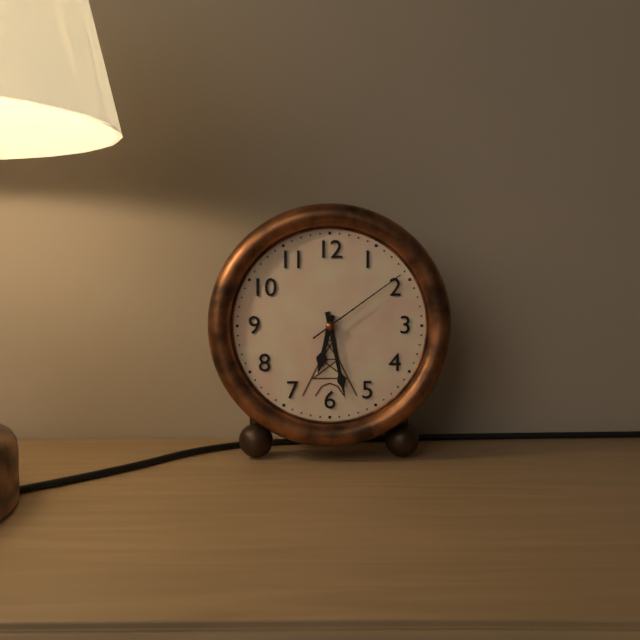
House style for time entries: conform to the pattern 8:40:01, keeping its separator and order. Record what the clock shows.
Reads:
6:28:09
